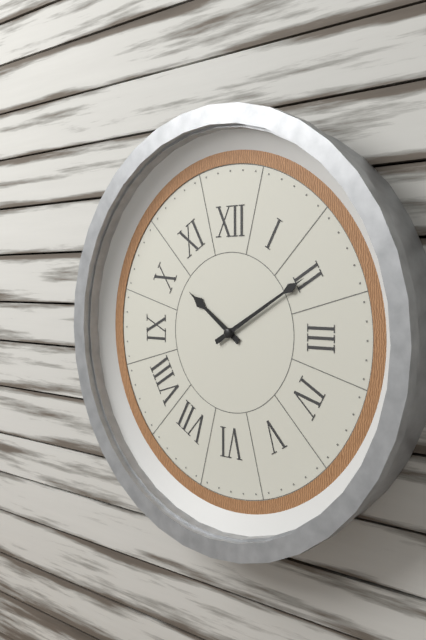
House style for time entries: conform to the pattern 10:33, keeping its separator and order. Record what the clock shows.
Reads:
10:10
